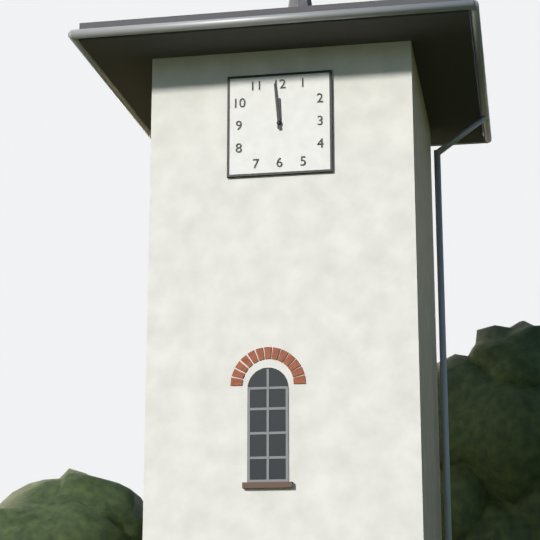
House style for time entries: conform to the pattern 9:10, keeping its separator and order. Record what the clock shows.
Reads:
11:59
